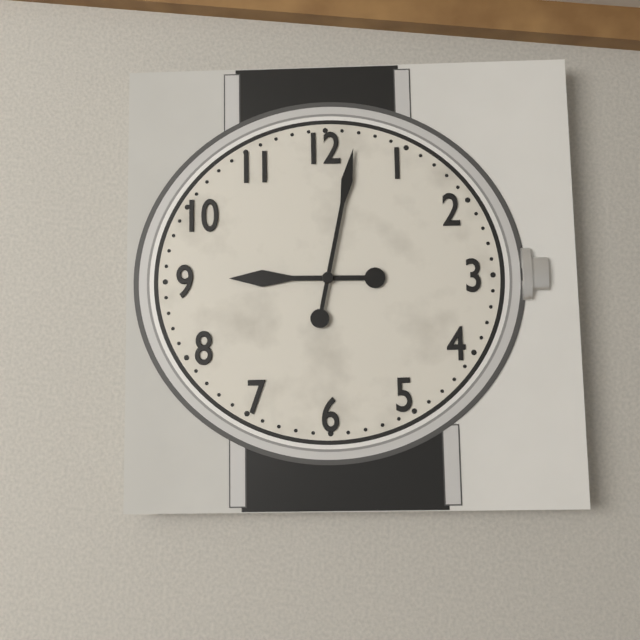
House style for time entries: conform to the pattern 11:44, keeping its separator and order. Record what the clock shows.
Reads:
9:02
